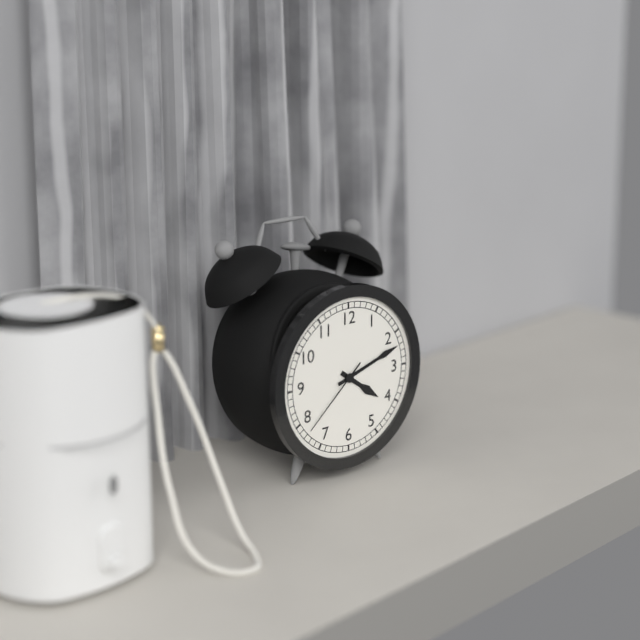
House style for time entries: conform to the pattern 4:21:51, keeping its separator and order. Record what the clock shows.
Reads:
4:12:38
